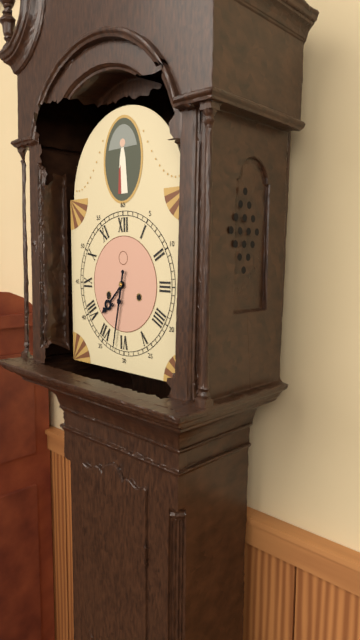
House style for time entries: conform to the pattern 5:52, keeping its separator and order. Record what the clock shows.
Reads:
7:32
